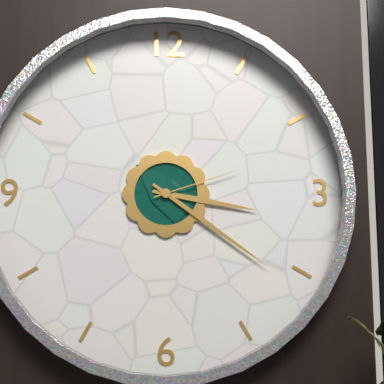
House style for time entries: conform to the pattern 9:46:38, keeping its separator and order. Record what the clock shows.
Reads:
3:21:12
